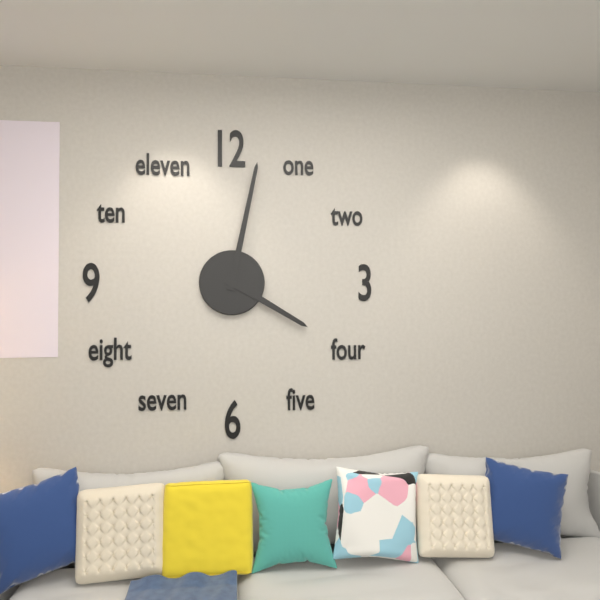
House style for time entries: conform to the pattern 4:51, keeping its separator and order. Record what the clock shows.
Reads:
4:02
